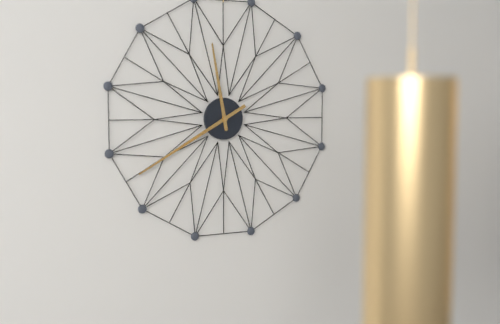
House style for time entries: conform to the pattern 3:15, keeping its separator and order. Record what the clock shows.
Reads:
11:40
